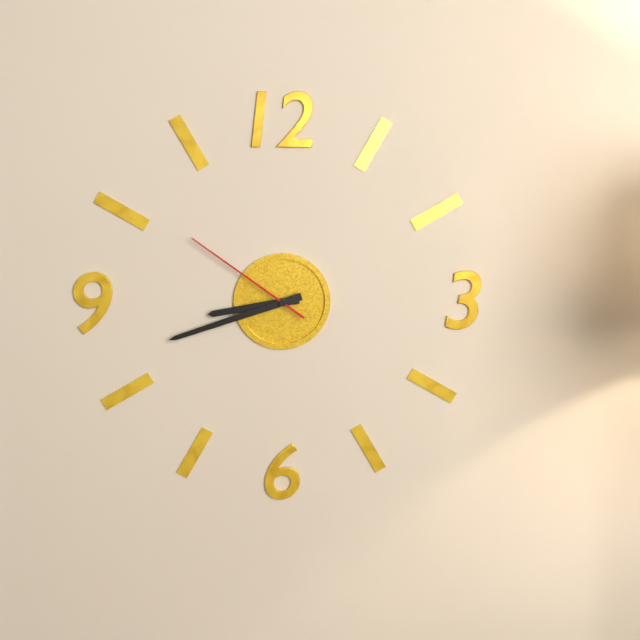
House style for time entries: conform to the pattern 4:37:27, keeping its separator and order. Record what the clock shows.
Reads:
8:42:51
